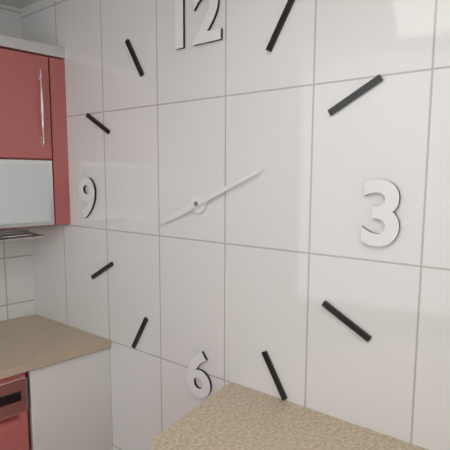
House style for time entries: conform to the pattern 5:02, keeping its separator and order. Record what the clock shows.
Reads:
8:11
